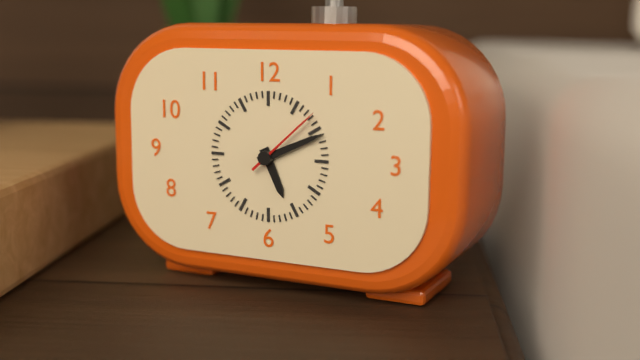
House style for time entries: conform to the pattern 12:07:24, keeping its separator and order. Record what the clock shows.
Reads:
5:11:08
